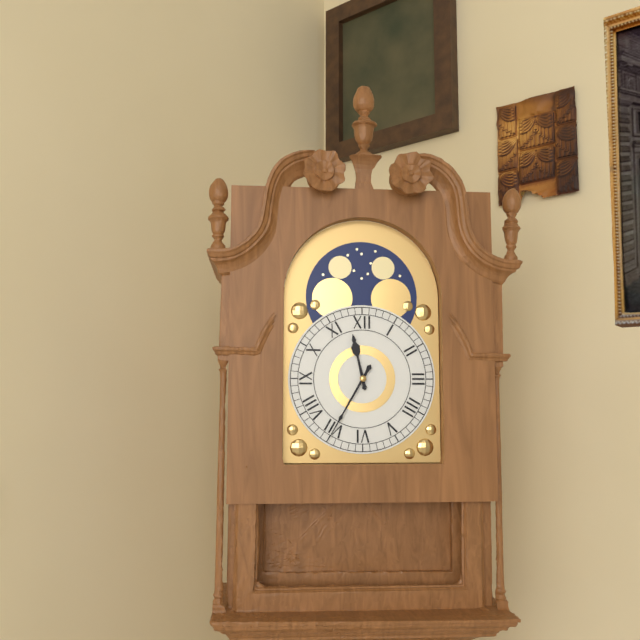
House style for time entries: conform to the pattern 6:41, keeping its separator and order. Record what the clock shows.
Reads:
11:35
